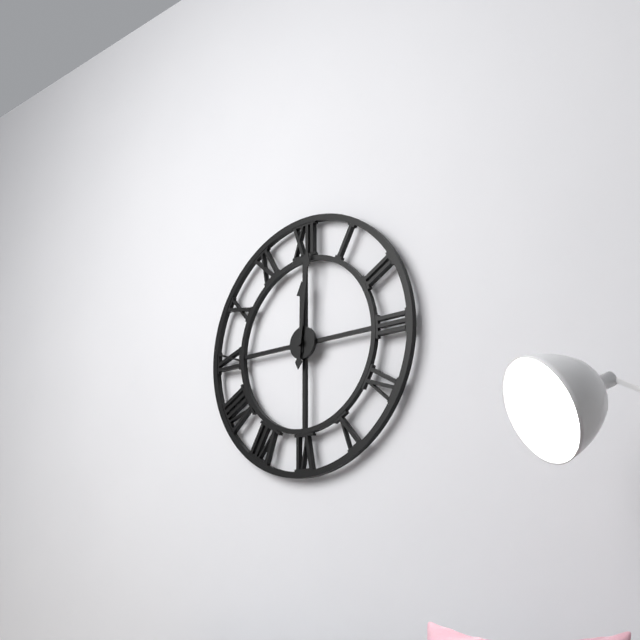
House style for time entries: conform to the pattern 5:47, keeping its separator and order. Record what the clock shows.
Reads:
12:01
